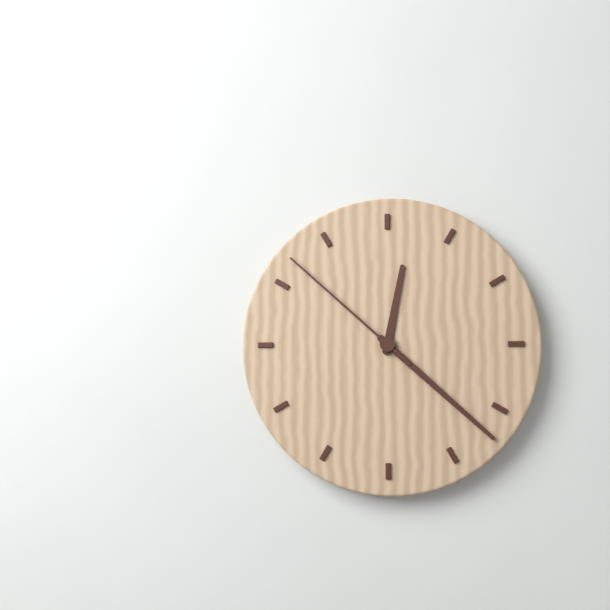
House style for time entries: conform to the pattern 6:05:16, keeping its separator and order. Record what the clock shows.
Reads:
12:22:52
